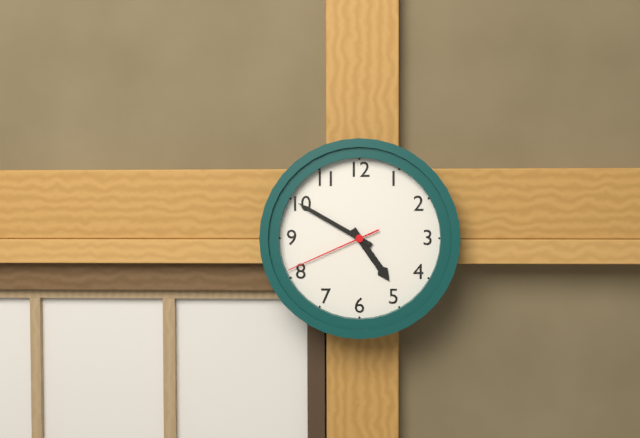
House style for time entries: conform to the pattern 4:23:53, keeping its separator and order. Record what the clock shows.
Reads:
4:50:41
